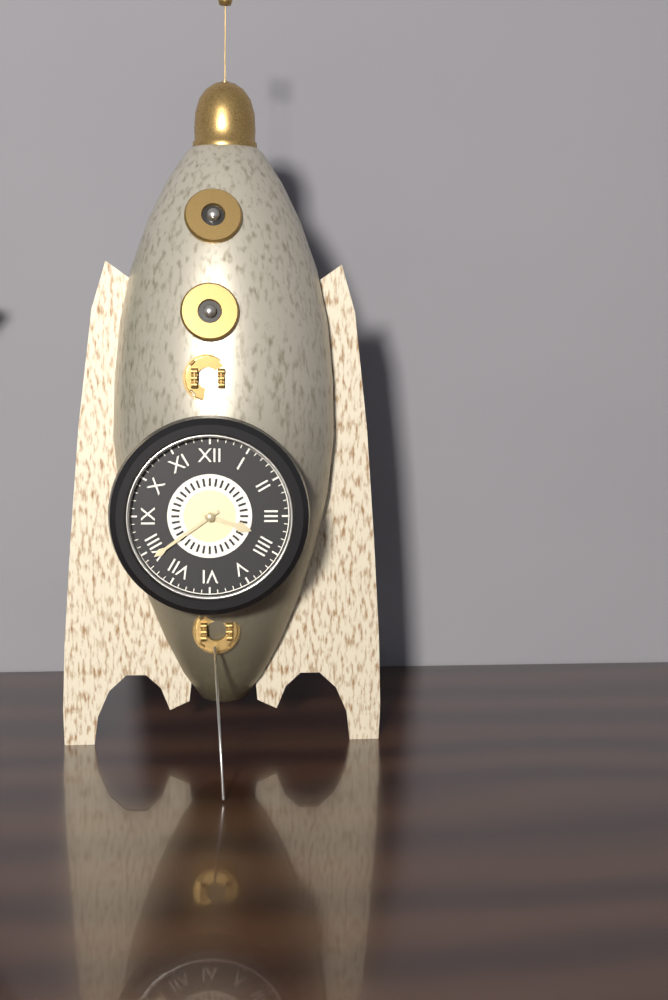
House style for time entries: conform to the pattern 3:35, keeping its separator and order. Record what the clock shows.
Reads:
3:39
